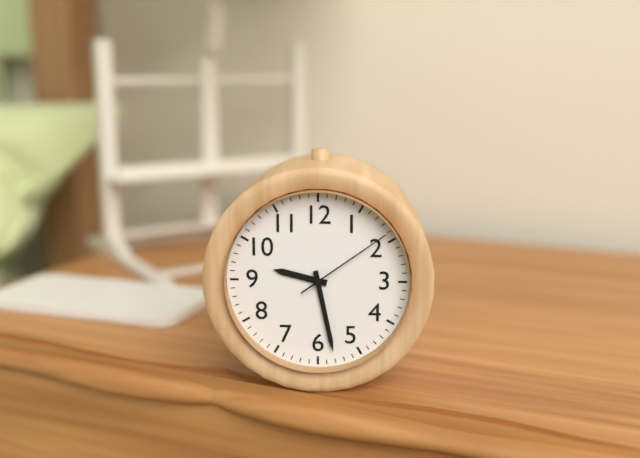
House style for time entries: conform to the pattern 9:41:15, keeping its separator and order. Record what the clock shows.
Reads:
9:28:09
